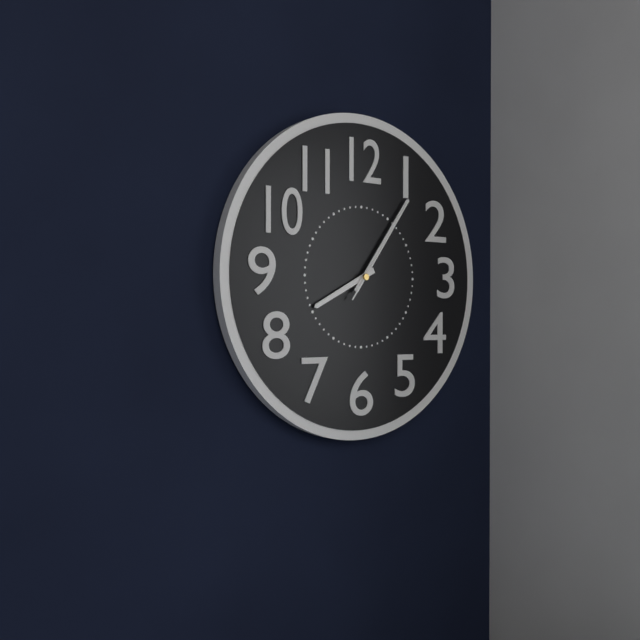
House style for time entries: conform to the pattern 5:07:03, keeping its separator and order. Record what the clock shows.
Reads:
8:06:06
